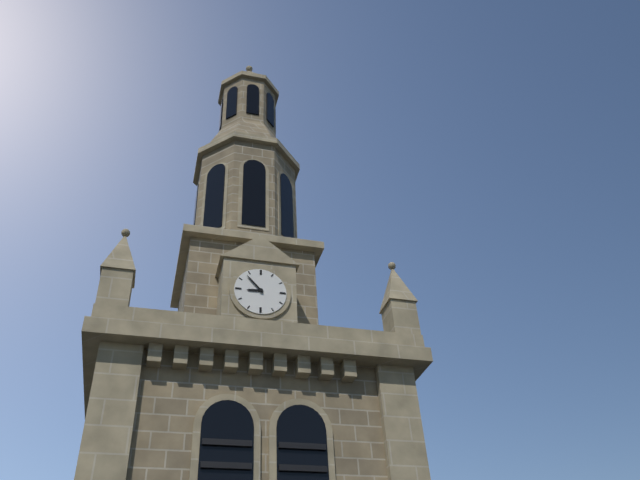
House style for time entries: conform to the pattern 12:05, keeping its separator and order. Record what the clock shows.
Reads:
8:53
